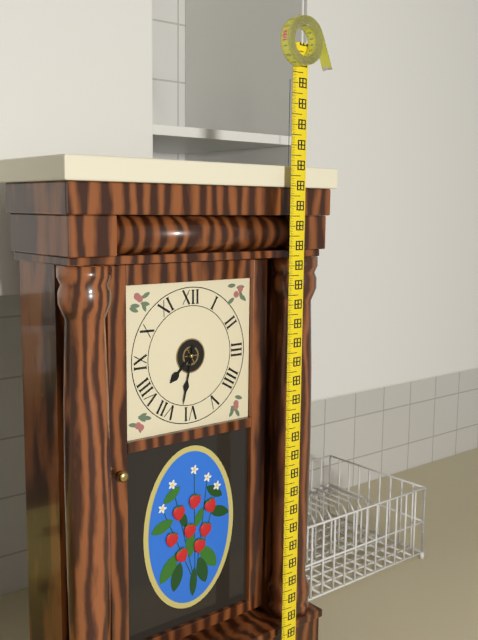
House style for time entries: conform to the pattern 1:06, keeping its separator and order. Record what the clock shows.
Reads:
7:32
